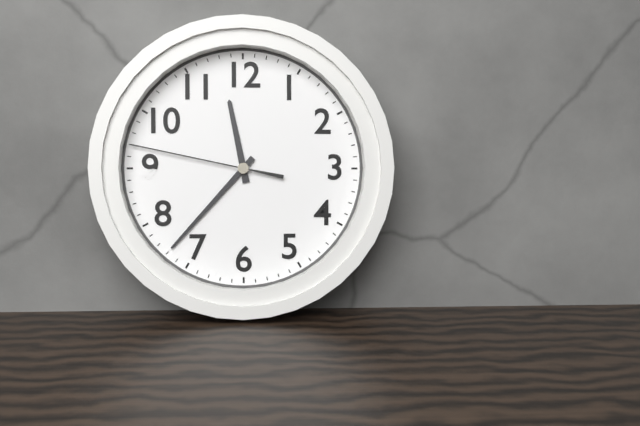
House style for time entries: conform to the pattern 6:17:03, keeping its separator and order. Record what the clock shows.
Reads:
11:37:47
